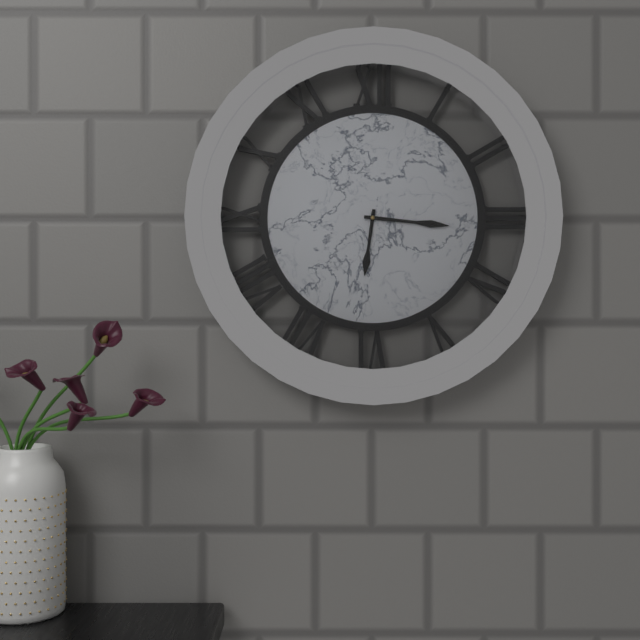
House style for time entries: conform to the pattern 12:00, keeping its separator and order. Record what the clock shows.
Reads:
6:16
